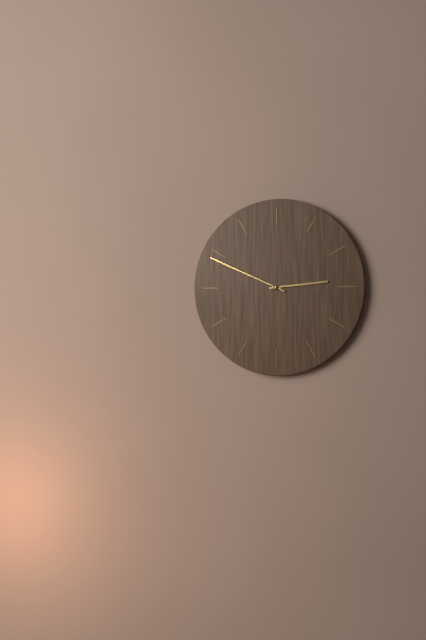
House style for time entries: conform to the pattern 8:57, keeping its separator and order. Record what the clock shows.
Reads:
2:49
